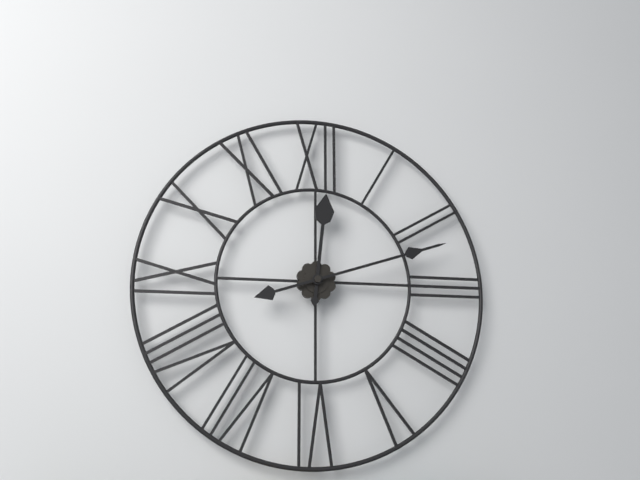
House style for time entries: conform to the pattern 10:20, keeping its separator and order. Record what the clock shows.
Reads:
12:12
